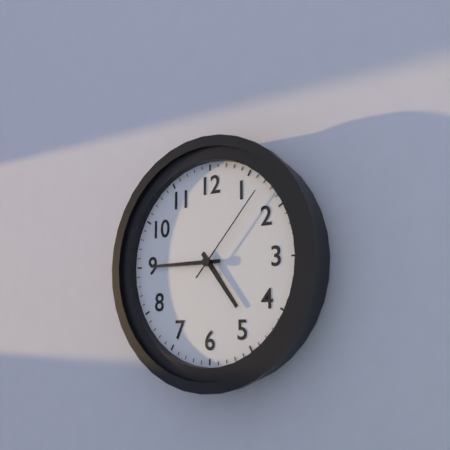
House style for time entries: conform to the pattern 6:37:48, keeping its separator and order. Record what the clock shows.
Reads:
4:45:07
